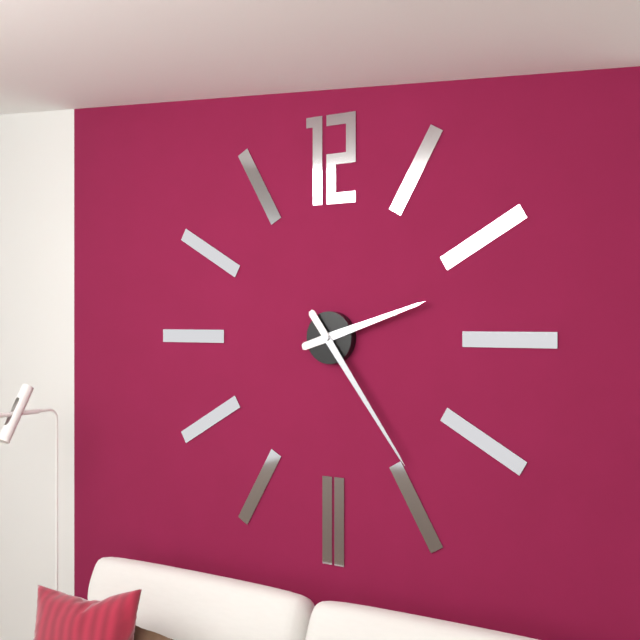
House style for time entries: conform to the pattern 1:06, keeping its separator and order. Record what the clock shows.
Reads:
2:24
